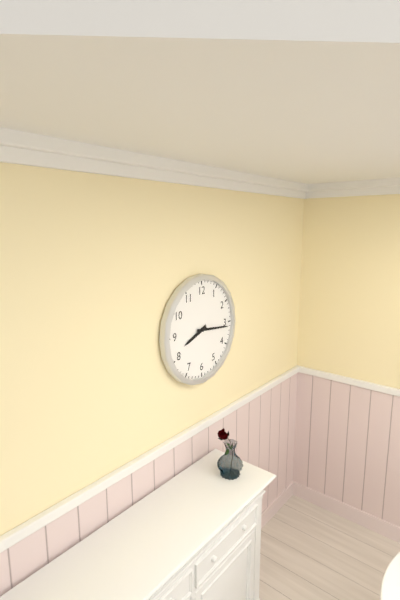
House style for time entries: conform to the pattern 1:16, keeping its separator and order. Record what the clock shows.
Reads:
8:16
